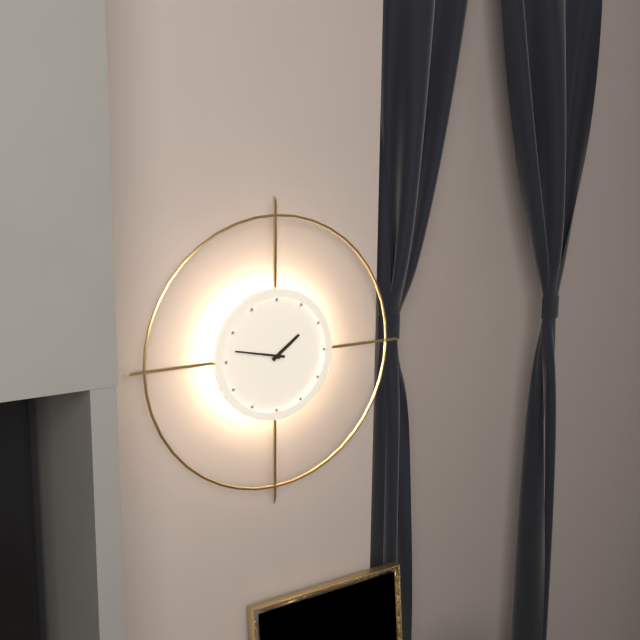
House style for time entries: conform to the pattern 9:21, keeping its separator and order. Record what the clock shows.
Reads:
1:47
